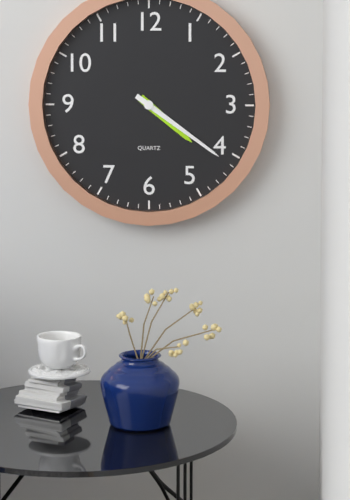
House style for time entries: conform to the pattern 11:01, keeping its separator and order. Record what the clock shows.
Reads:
4:21
